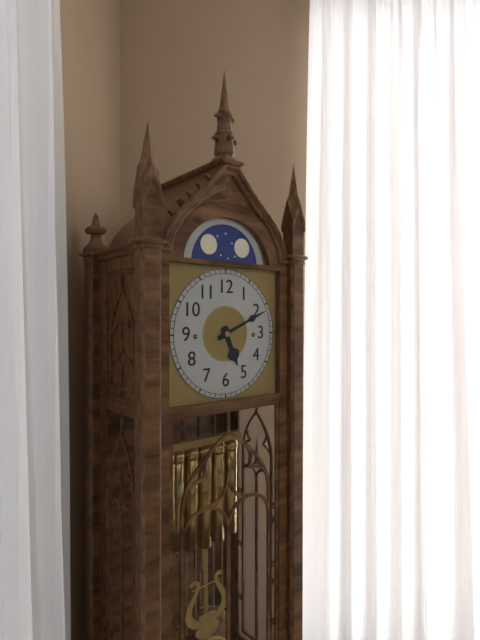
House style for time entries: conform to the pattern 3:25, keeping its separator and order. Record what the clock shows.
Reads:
5:11
